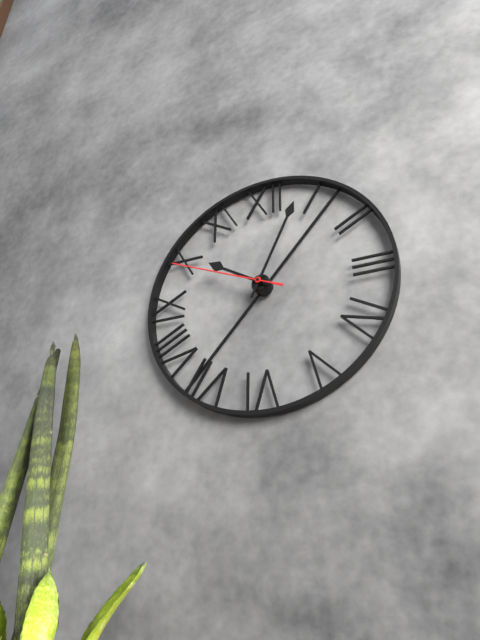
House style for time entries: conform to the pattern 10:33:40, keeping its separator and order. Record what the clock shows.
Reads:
10:04:49
